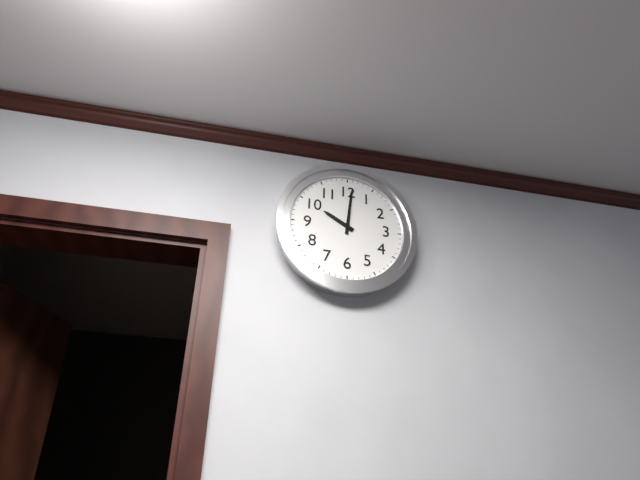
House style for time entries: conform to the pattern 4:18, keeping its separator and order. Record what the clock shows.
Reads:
10:01
